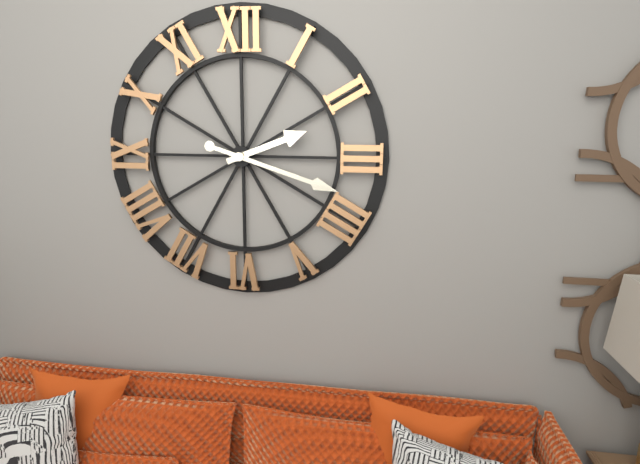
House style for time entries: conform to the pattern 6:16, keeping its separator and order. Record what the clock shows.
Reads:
2:18
